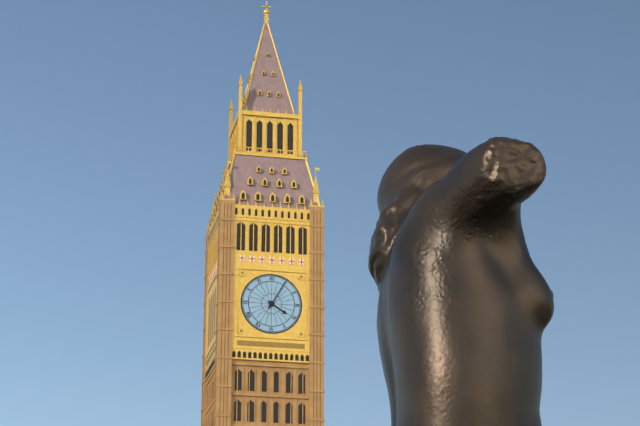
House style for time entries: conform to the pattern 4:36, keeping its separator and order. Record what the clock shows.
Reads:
4:05
